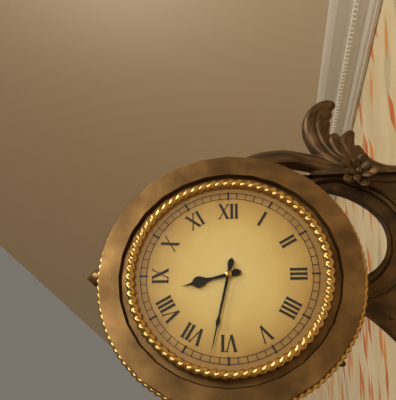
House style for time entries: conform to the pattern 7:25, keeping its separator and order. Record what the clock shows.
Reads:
8:32
